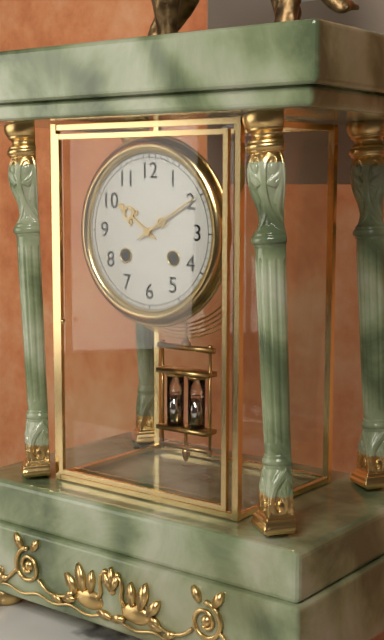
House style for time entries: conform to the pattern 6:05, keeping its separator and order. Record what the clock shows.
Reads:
10:10
